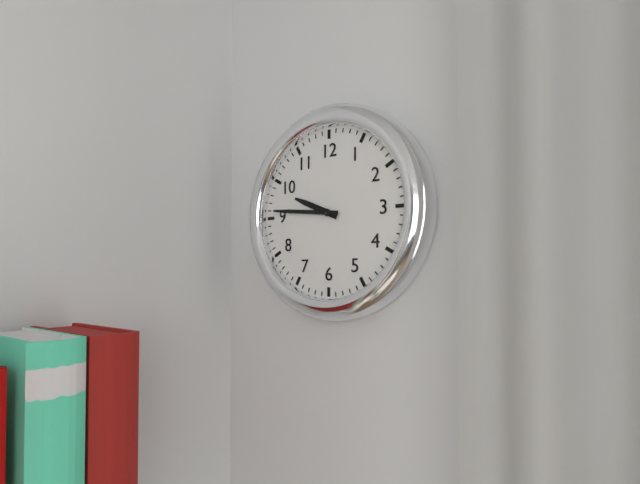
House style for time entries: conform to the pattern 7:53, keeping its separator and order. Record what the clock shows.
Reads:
9:46
